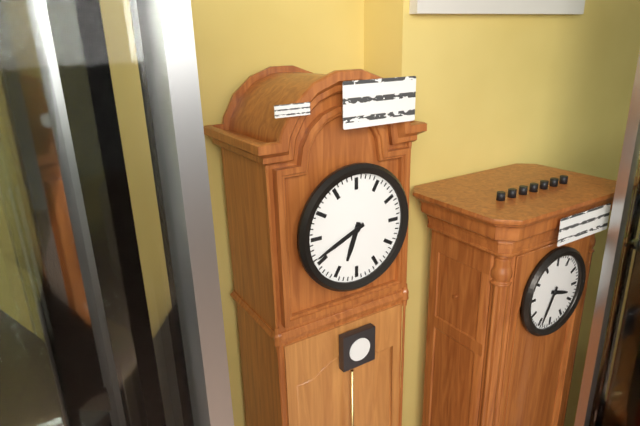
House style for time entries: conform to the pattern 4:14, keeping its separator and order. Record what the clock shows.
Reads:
6:41
